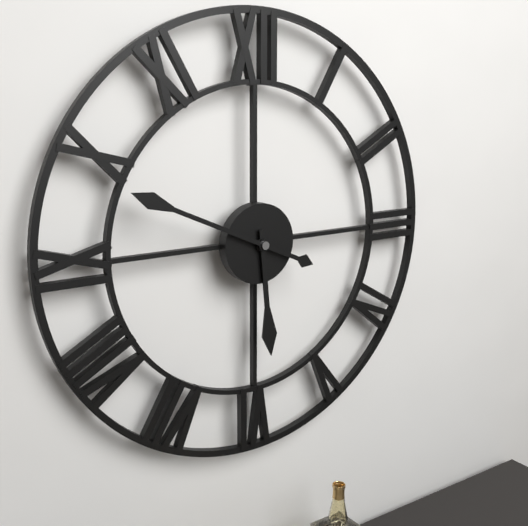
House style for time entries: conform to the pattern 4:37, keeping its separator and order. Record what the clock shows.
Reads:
5:49
